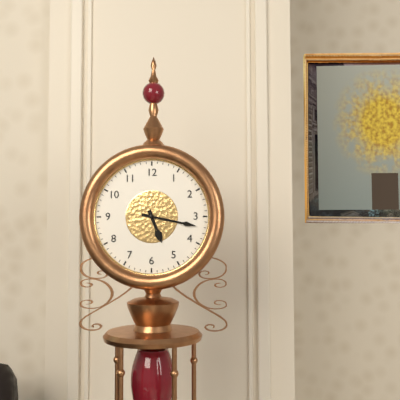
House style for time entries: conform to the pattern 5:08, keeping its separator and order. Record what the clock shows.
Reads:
5:17
